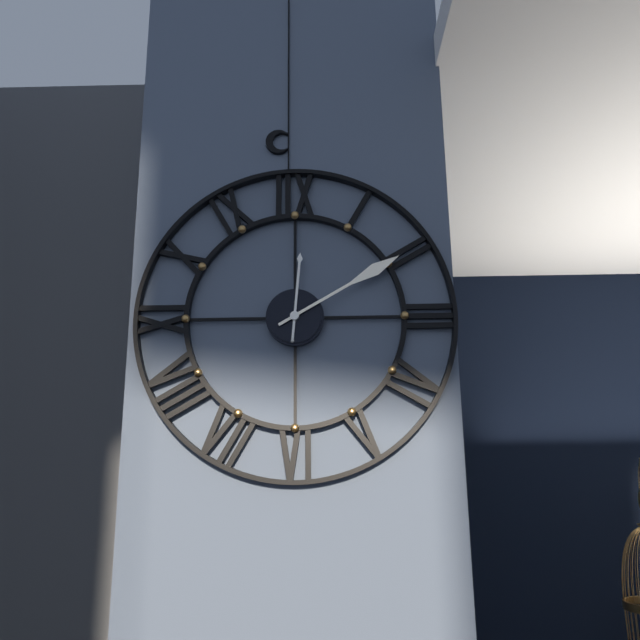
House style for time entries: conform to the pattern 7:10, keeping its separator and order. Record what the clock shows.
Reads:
12:10
